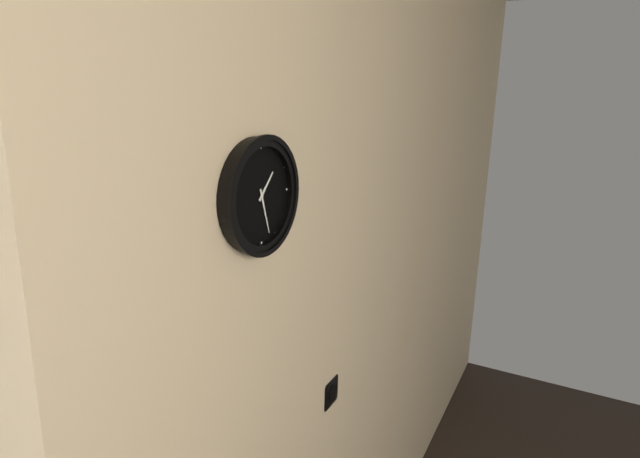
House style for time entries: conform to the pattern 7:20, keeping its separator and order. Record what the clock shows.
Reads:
1:27
